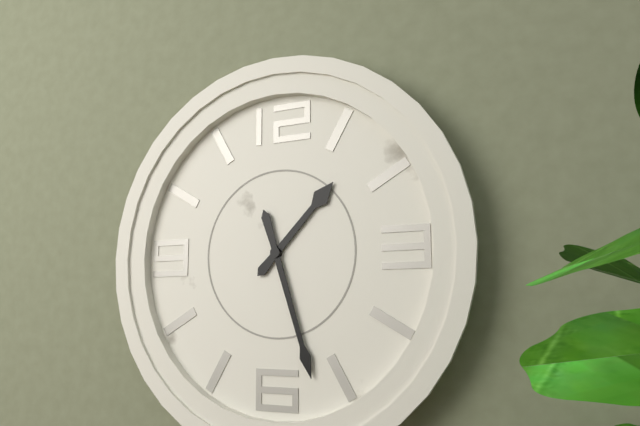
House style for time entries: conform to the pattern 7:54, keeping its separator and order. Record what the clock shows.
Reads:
1:27
